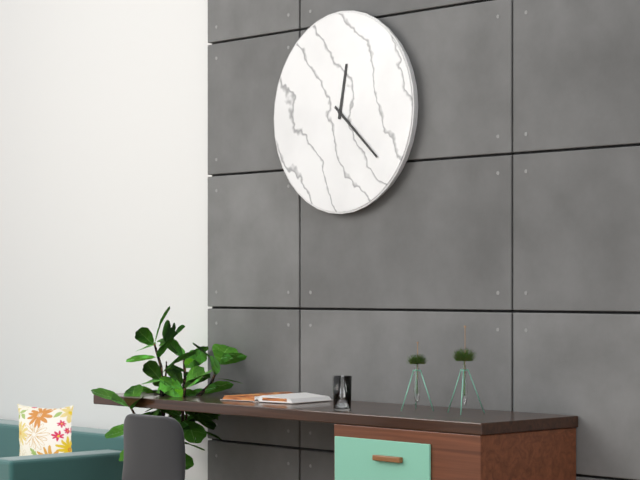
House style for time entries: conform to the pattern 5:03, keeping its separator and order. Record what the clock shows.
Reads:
12:22
